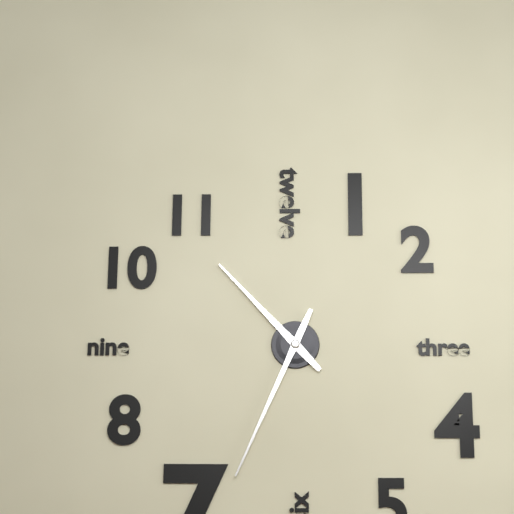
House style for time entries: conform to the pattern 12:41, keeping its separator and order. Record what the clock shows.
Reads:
10:34
